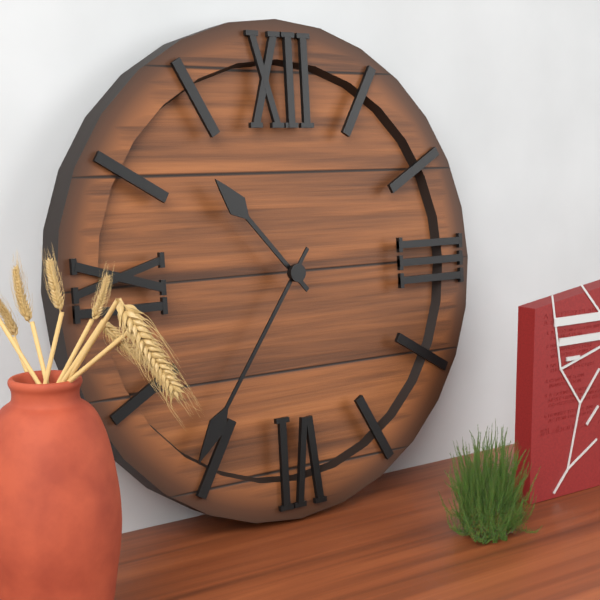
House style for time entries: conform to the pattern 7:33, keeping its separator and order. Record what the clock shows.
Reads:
10:36
